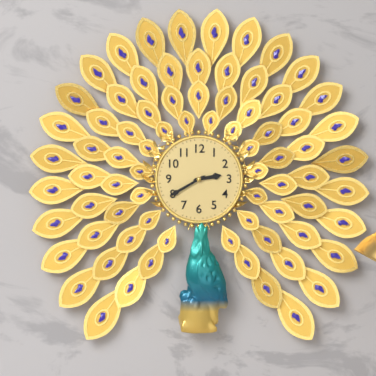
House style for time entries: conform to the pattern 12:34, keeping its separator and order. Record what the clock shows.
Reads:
2:40
